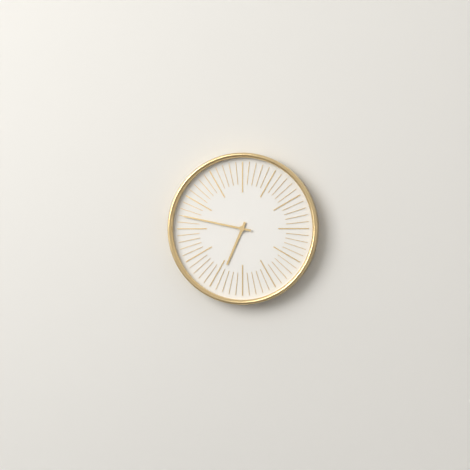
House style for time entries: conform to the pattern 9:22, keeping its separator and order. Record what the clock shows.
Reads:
6:47
